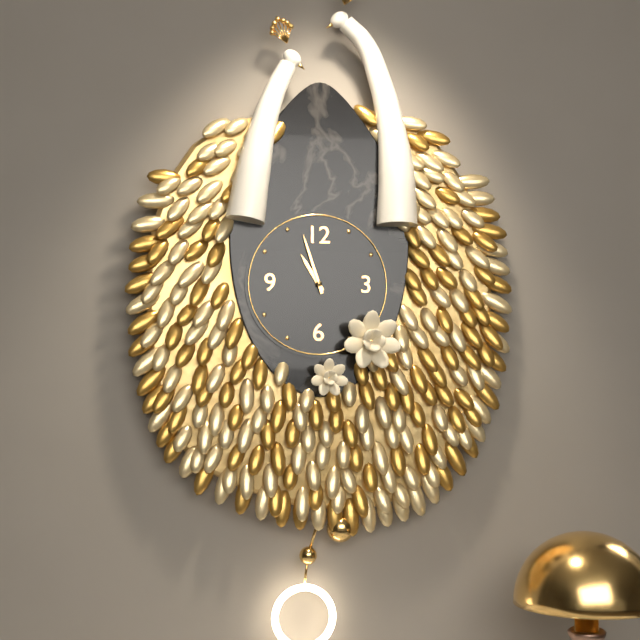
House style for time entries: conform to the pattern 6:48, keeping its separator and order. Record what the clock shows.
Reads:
10:57
